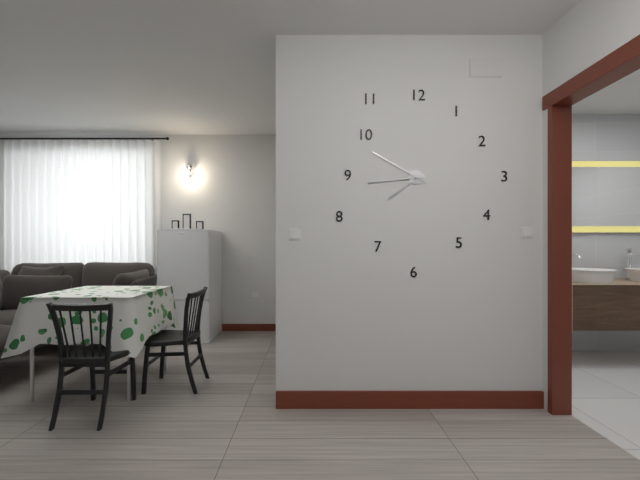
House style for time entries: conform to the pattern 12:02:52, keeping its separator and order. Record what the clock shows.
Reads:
7:44:50
